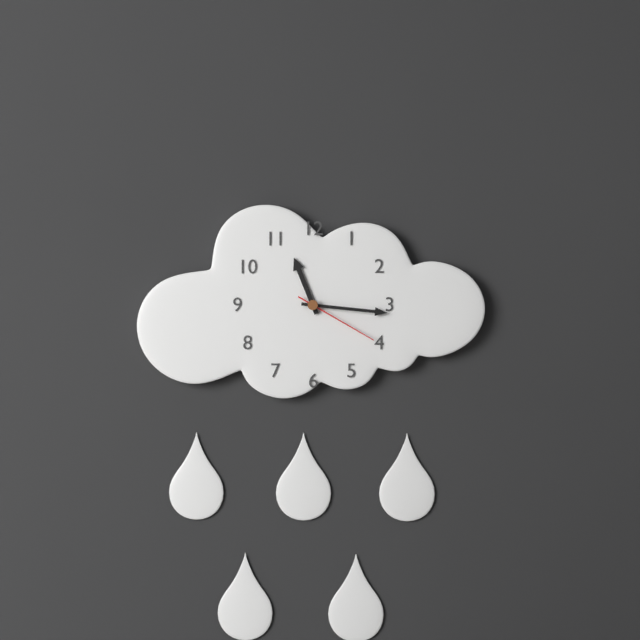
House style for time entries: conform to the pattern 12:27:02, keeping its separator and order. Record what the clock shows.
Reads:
11:16:20
